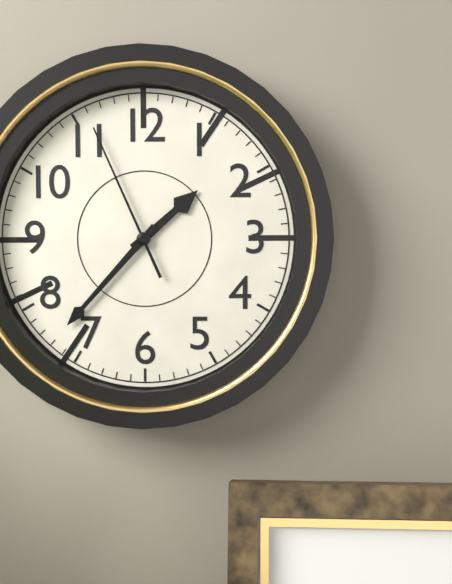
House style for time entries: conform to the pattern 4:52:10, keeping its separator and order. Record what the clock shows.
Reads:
1:37:56
